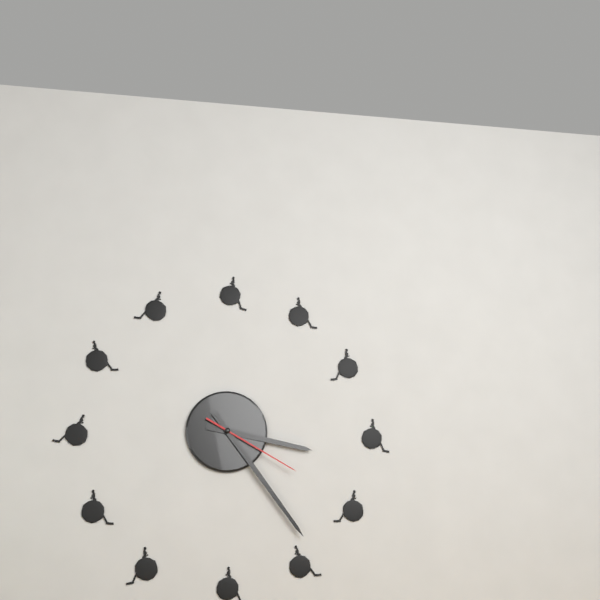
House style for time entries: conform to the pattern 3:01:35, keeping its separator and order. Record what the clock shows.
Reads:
3:24:20
